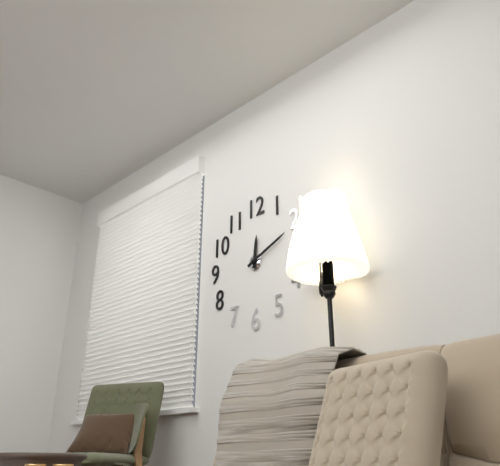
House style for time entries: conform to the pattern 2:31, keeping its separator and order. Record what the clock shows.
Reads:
12:11
